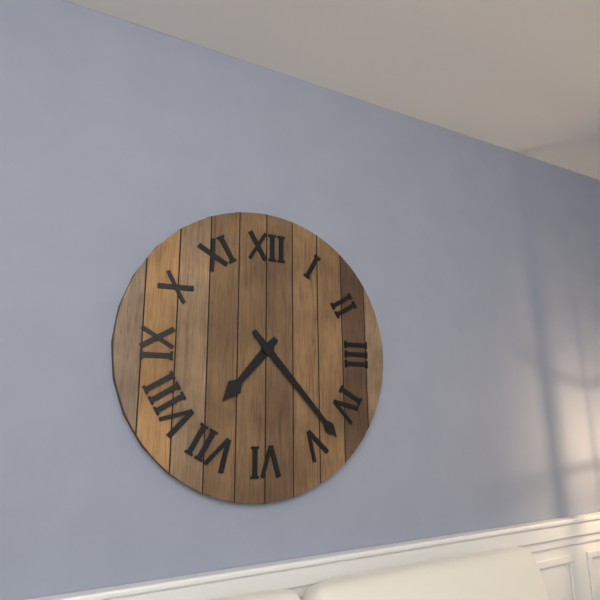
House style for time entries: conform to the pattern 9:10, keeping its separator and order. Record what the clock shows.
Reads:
7:23
